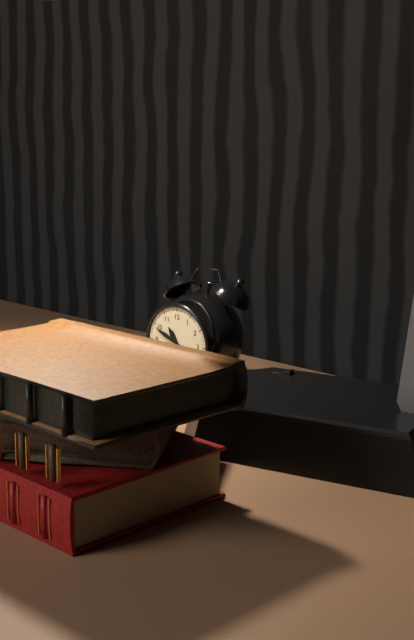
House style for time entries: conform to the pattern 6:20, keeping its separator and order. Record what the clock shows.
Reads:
10:49
